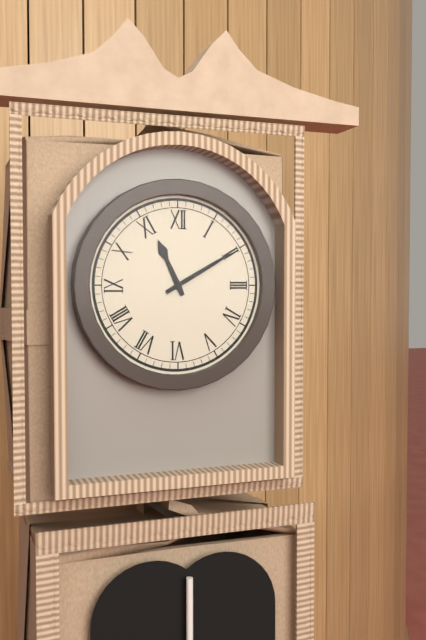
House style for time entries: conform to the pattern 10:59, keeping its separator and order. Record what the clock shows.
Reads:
11:10
